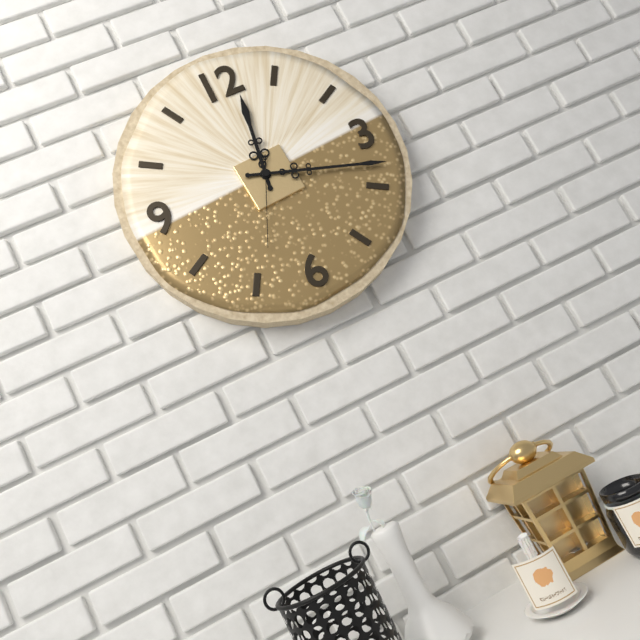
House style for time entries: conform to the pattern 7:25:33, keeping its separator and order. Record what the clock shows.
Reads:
12:18:34
